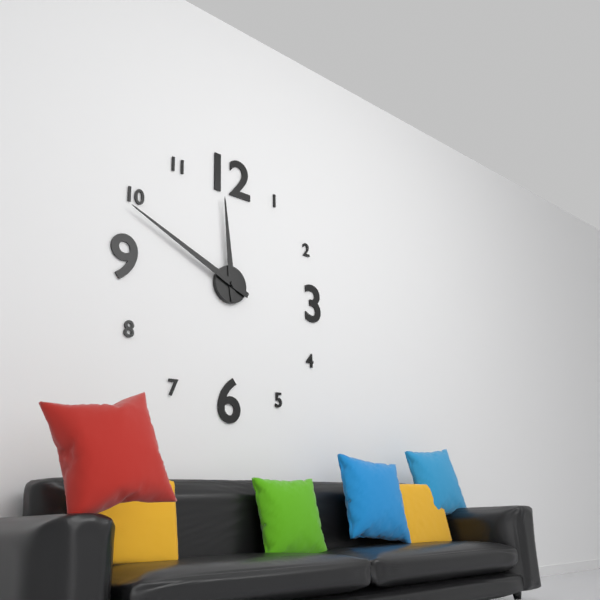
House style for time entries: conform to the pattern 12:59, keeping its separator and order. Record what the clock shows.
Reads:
11:49
